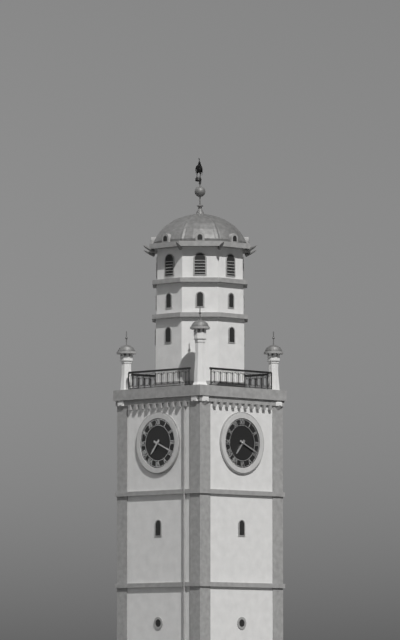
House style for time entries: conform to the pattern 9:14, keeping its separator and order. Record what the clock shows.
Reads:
7:19
